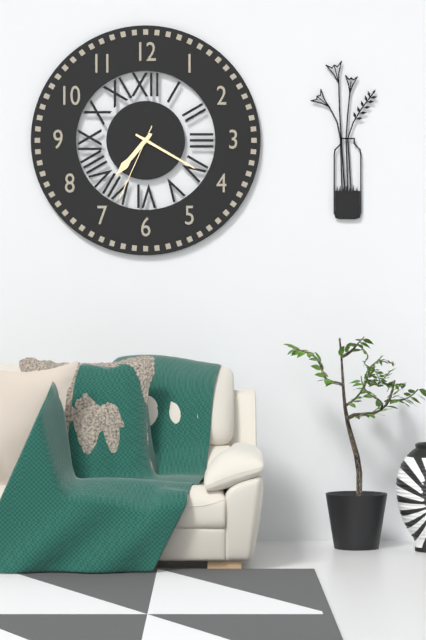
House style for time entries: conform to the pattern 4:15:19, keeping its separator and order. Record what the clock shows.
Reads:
7:20:34
